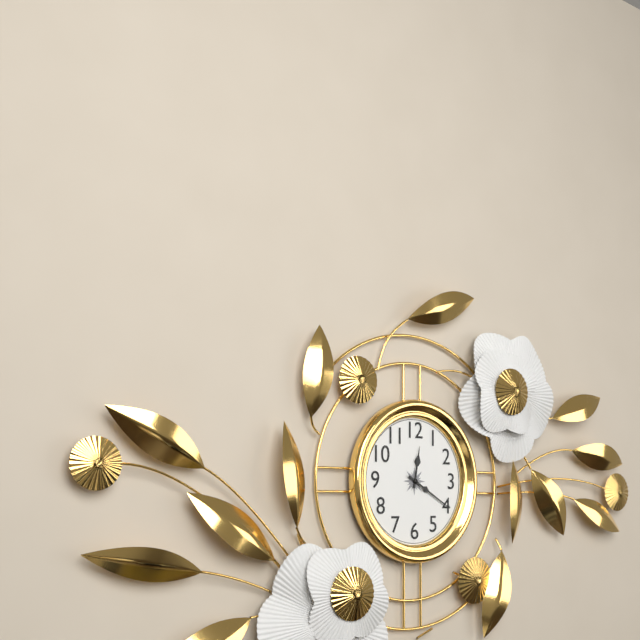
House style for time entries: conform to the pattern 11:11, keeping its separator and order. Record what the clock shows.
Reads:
12:20
